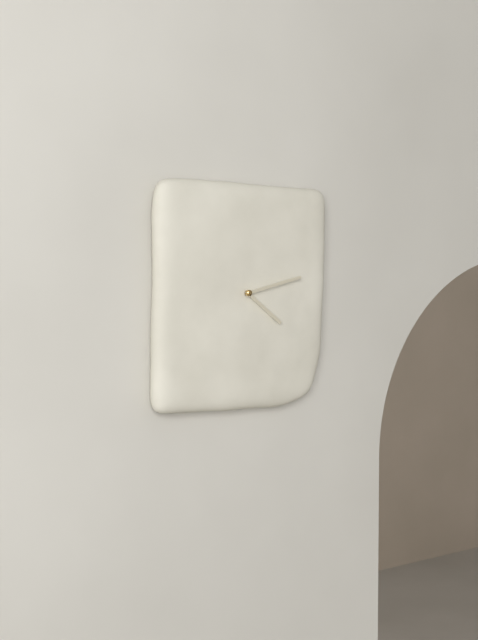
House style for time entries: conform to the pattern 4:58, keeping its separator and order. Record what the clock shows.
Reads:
4:13
